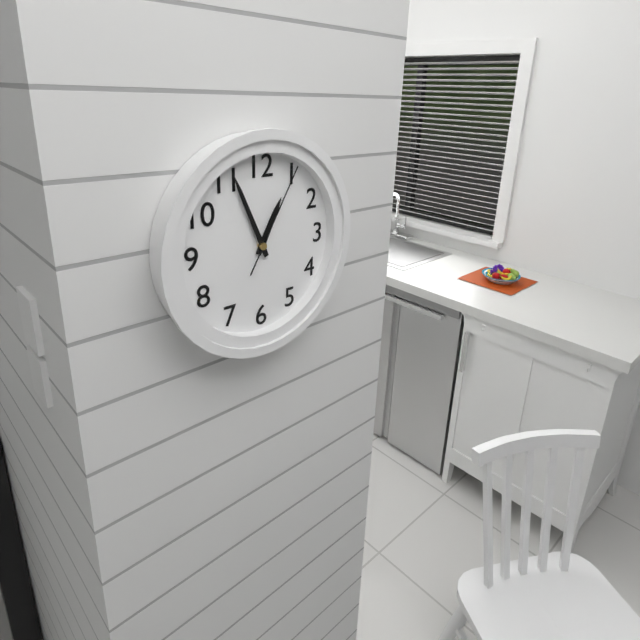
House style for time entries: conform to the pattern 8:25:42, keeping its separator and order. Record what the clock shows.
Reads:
12:56:05
